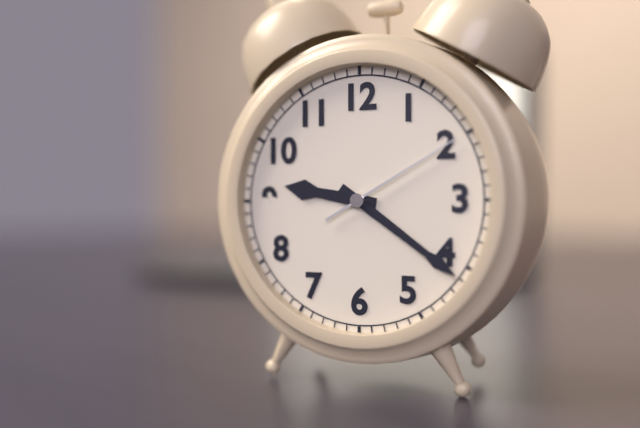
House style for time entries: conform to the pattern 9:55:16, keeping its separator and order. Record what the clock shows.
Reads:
9:21:10
